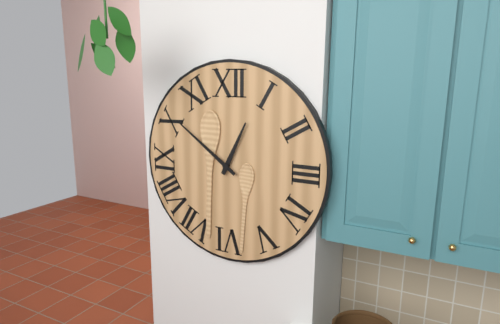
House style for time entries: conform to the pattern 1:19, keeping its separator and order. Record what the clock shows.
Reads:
12:51
